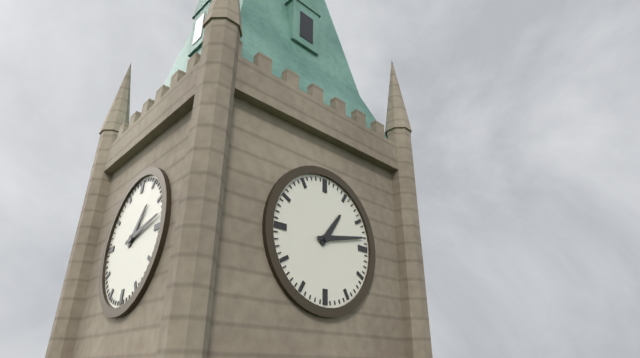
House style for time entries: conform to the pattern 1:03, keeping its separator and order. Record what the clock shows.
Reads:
1:13
